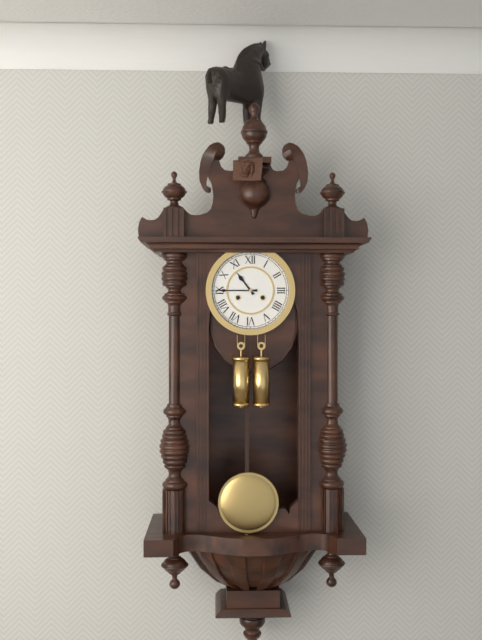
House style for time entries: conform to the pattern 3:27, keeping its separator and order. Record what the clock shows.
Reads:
10:45
